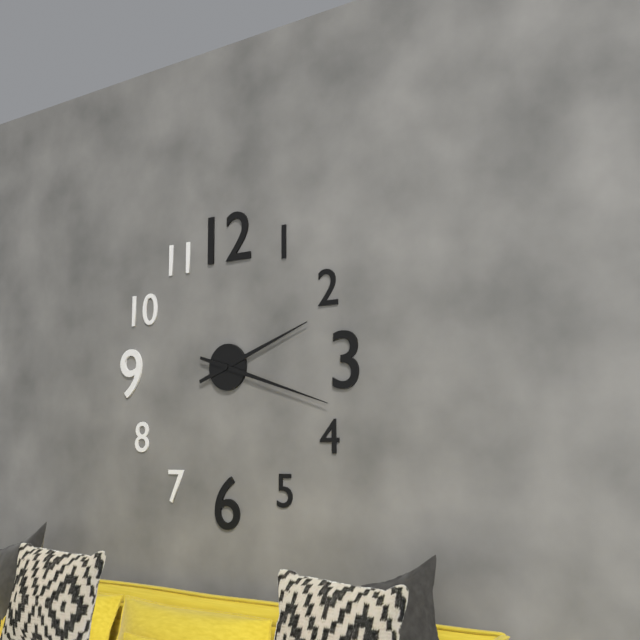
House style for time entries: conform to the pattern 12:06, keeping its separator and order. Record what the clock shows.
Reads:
2:18
